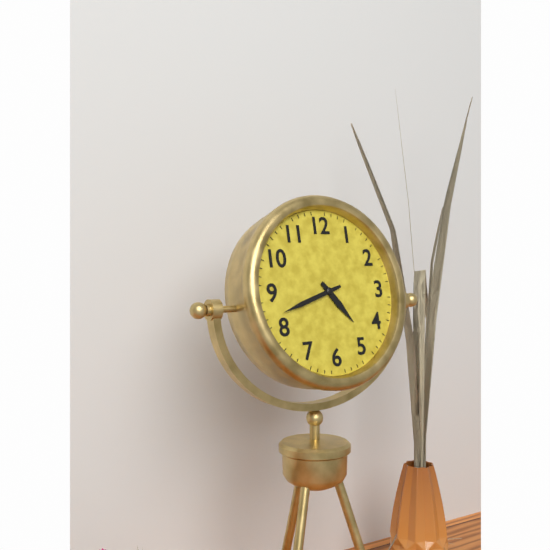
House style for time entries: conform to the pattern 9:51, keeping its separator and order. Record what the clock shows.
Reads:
4:42
